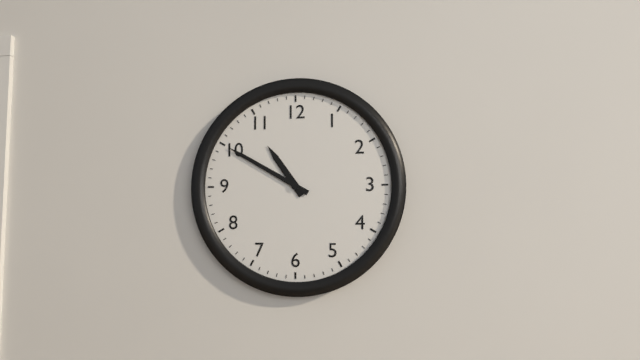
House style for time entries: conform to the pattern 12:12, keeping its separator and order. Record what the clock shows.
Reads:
10:50
